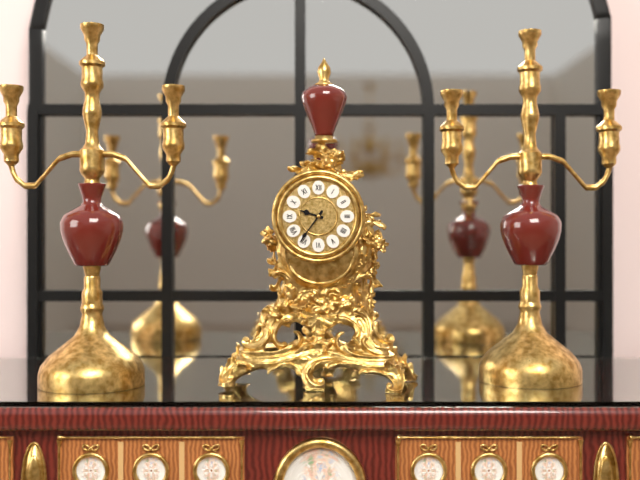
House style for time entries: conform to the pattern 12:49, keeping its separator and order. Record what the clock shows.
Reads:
9:36
